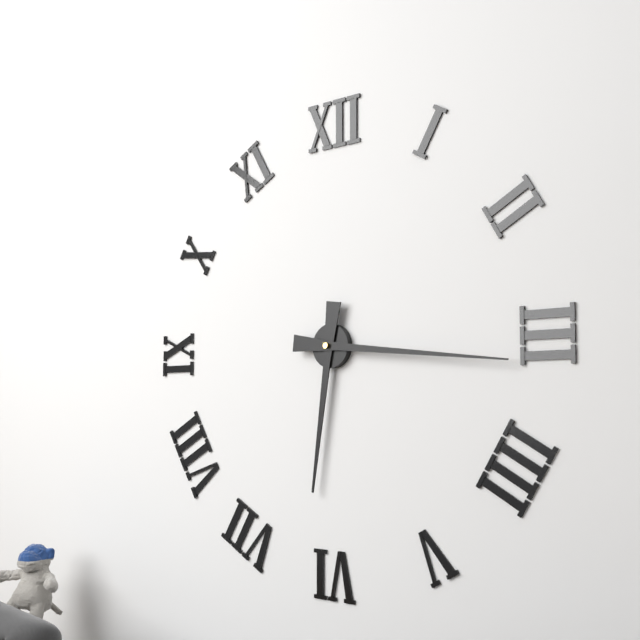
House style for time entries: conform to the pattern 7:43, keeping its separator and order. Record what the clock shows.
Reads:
6:16
